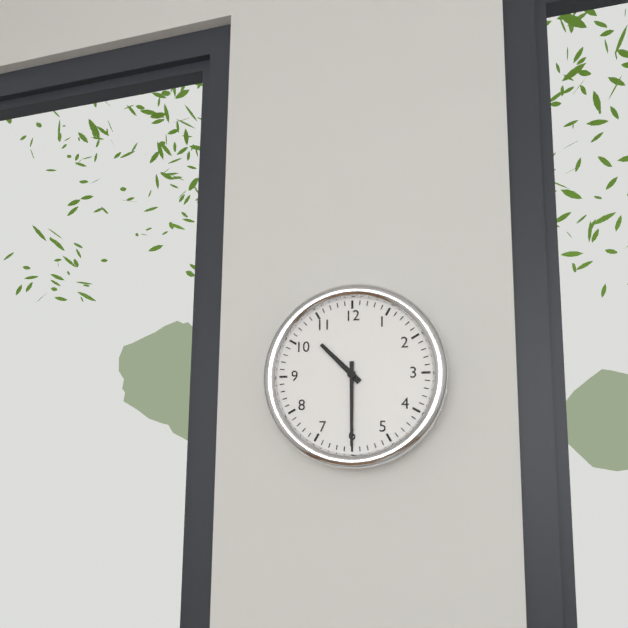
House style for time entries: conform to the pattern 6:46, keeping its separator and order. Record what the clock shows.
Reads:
10:30
